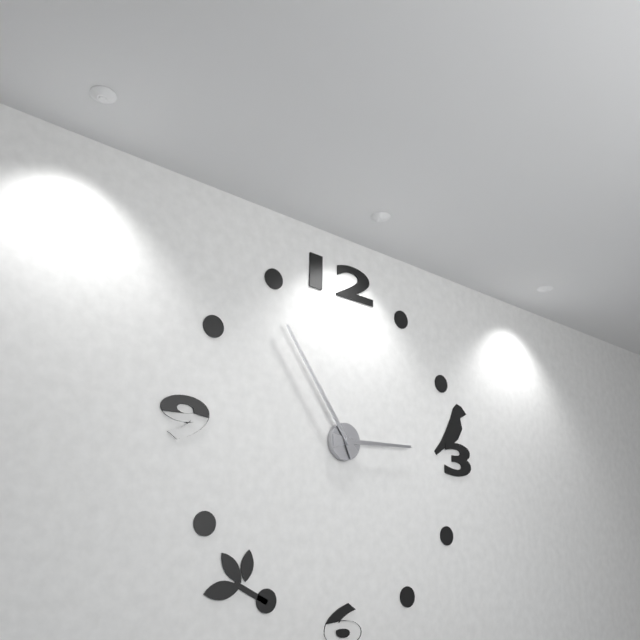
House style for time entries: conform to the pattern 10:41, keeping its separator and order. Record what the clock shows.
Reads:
2:54
